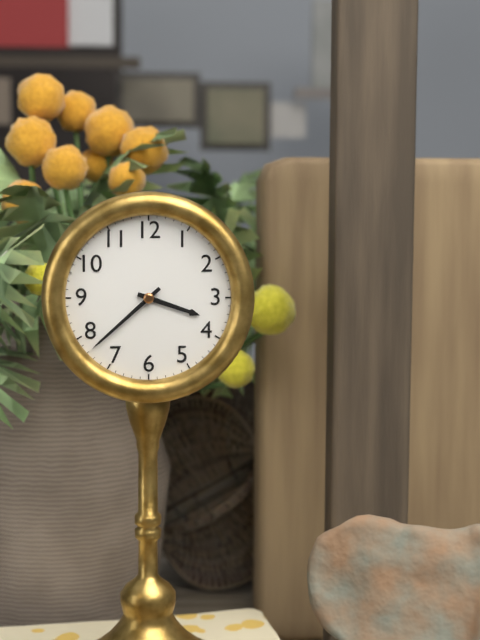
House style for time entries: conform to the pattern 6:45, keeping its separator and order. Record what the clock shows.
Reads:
3:38
